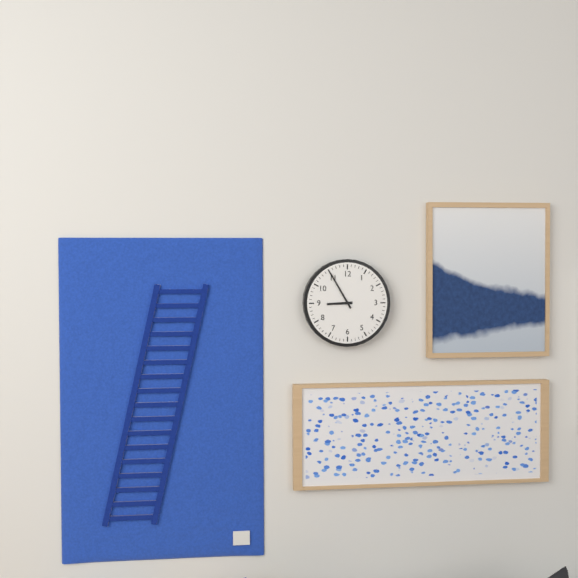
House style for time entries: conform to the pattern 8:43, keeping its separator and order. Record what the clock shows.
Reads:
8:55
